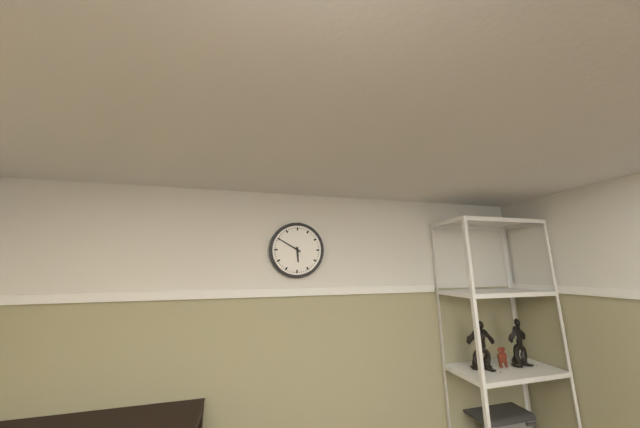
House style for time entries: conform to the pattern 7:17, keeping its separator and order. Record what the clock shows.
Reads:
5:50
